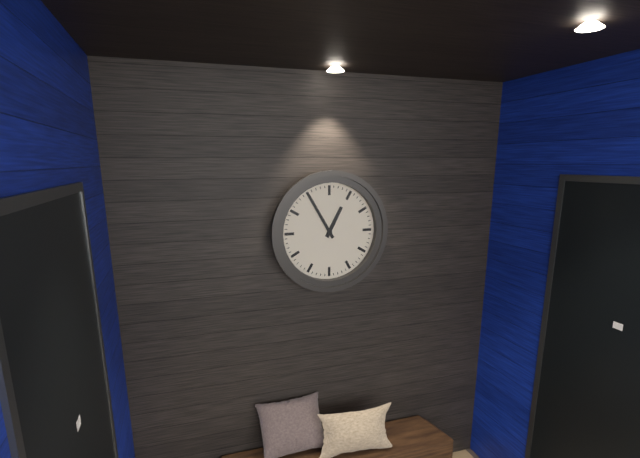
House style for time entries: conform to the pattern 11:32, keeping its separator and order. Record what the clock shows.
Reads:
12:55
